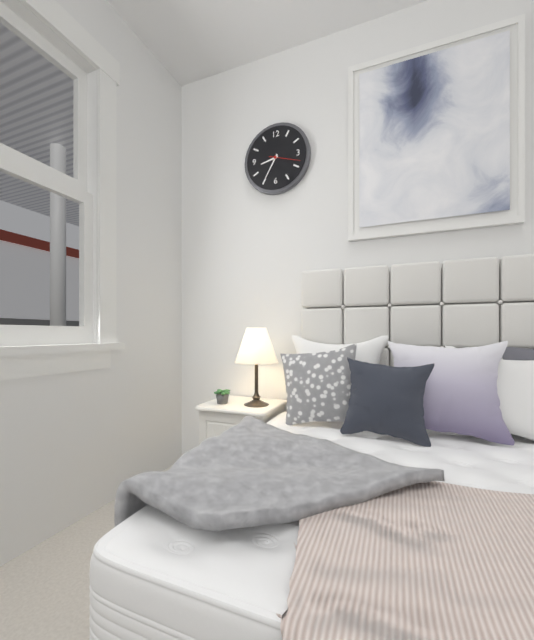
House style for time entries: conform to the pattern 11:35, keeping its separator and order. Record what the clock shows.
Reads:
8:35
